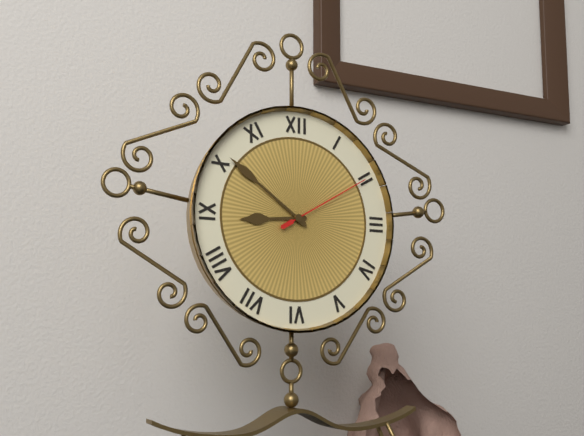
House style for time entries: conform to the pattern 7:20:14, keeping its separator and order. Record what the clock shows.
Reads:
8:51:10
